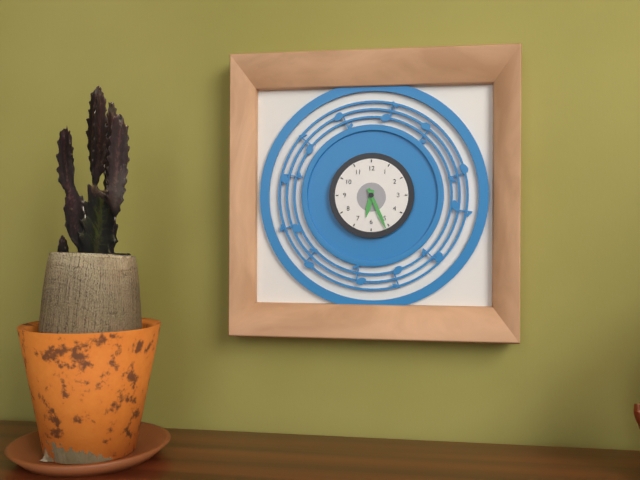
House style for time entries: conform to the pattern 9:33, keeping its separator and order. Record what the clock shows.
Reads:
6:26
